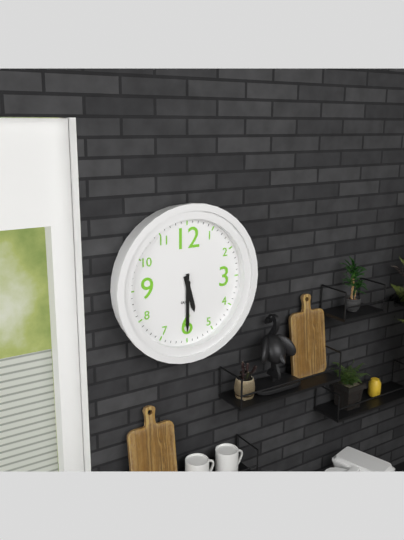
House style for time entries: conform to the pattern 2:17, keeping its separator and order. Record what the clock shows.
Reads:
5:30
